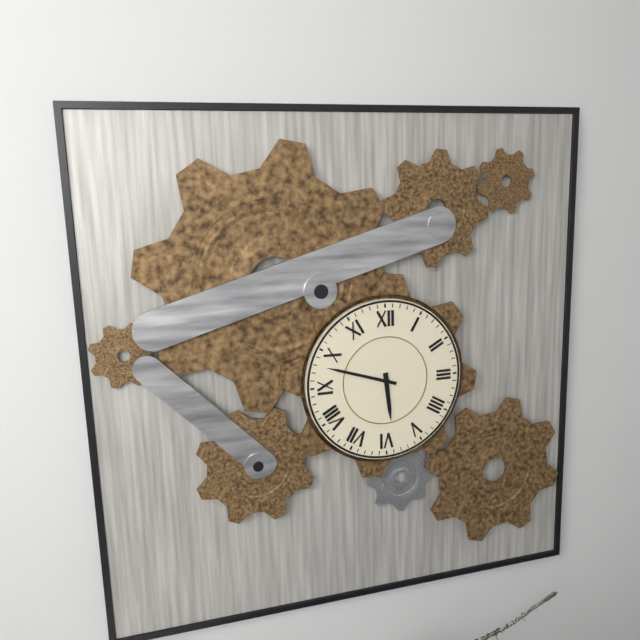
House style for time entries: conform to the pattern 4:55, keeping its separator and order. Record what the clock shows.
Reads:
5:48
